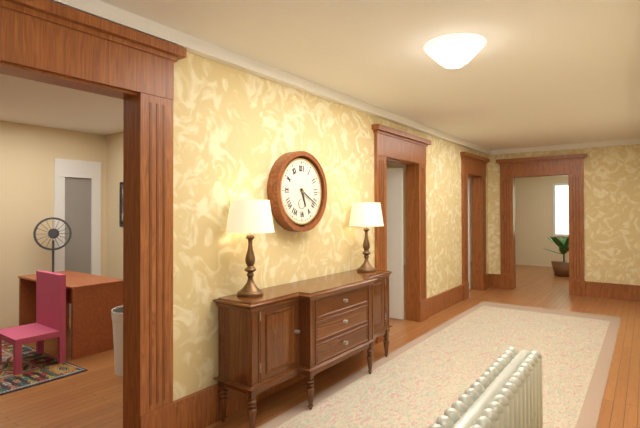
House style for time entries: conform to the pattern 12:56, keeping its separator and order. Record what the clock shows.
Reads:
5:20
